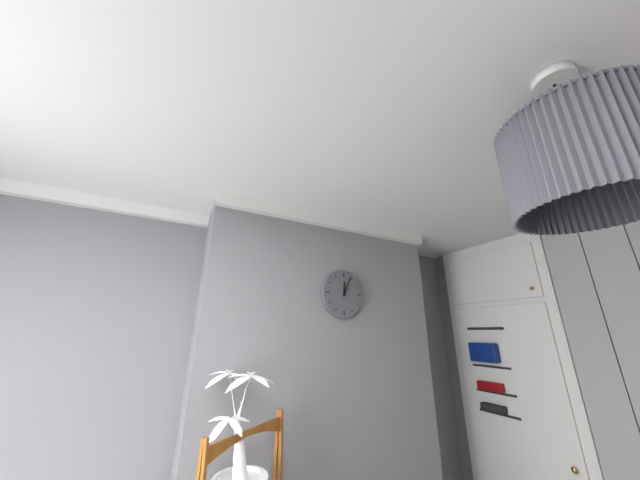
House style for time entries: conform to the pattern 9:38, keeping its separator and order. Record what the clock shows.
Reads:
12:04
